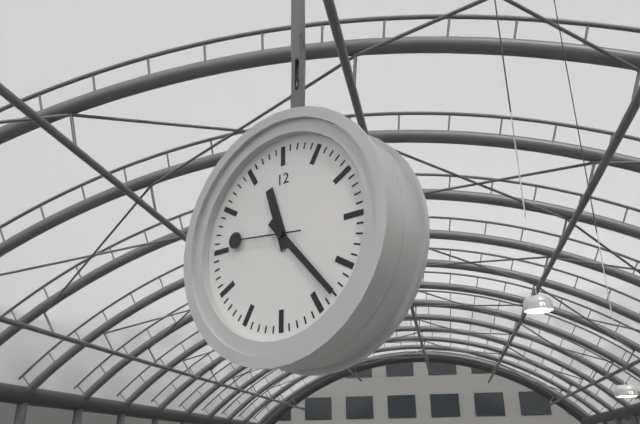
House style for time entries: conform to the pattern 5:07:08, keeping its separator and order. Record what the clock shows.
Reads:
11:23:46
